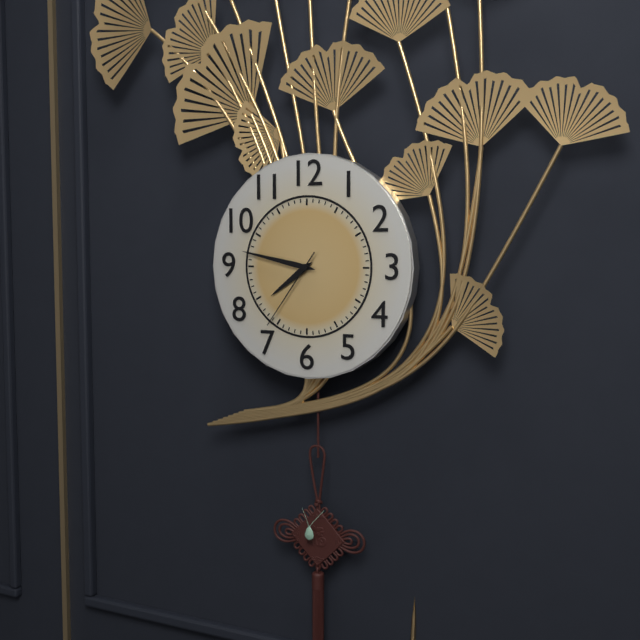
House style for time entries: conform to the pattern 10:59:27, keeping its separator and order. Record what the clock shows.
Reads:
7:47:36
